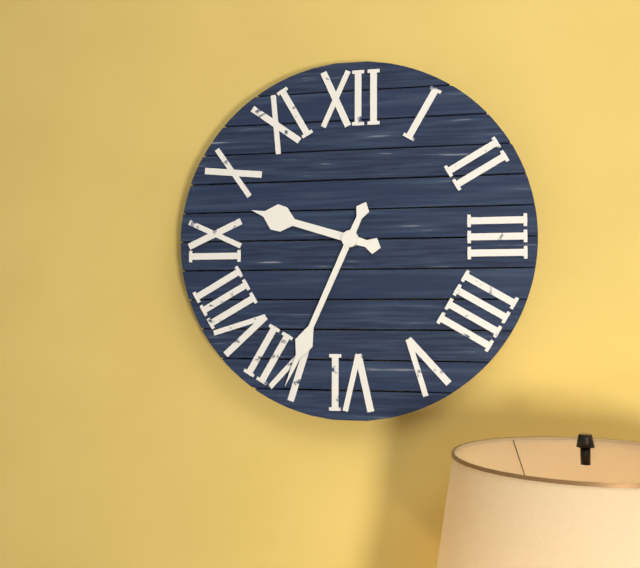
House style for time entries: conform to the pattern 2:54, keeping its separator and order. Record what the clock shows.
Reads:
9:34
